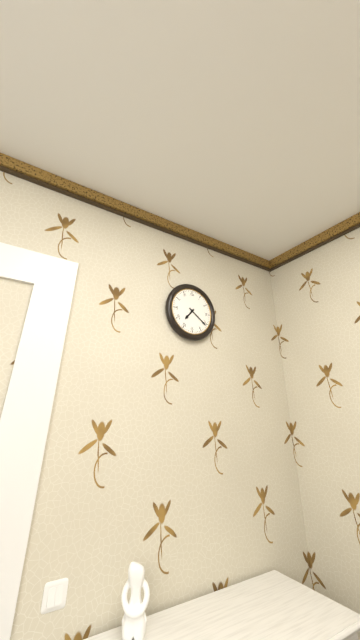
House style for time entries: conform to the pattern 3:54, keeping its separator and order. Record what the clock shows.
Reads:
7:21
